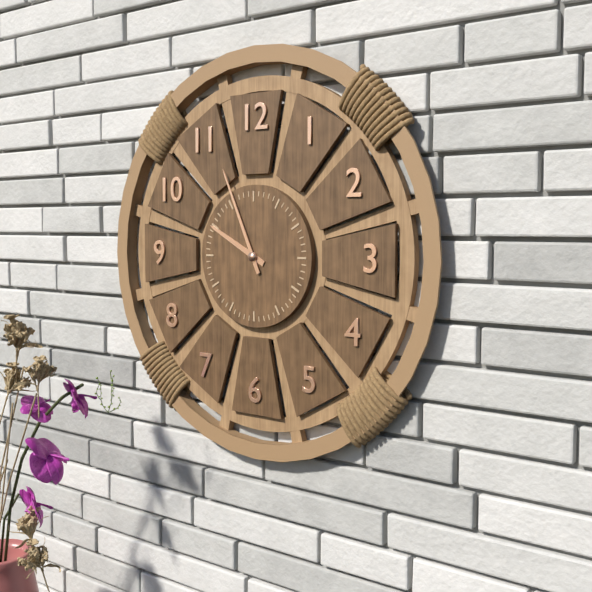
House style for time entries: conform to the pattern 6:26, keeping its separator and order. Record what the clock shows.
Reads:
9:56
